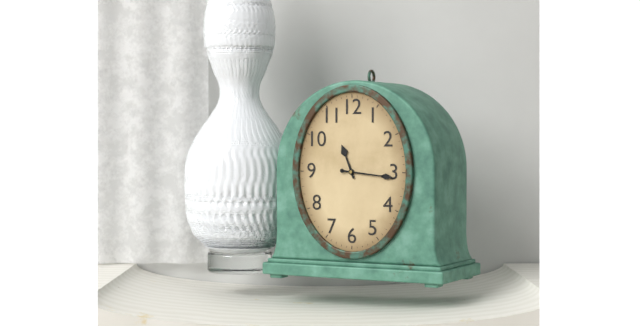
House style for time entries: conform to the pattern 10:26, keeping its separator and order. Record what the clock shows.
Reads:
11:16
